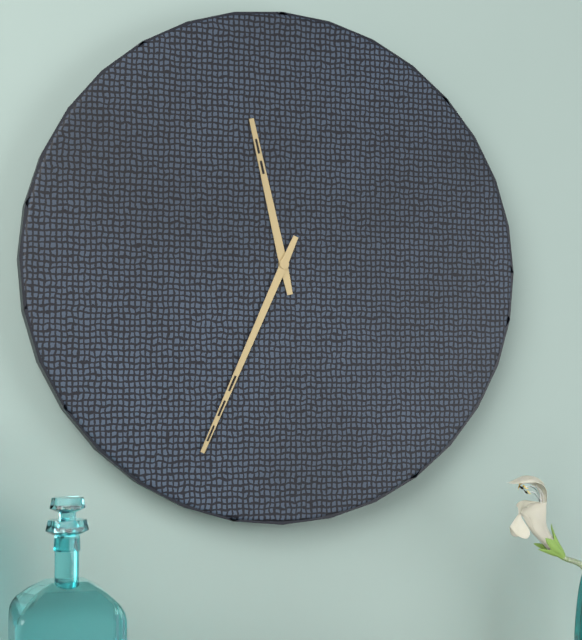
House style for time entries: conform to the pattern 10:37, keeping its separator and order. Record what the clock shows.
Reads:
11:34
